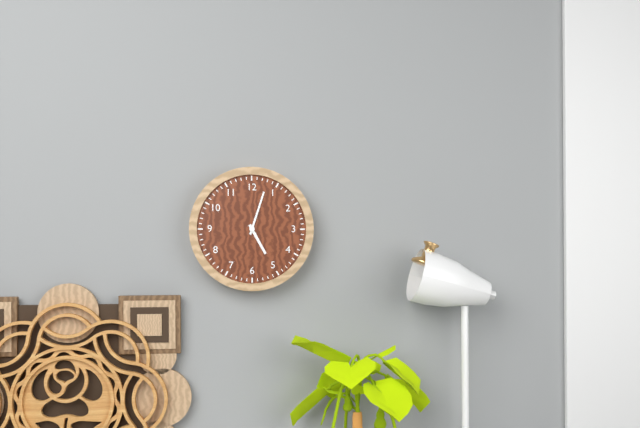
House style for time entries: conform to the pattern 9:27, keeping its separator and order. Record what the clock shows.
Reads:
5:03
